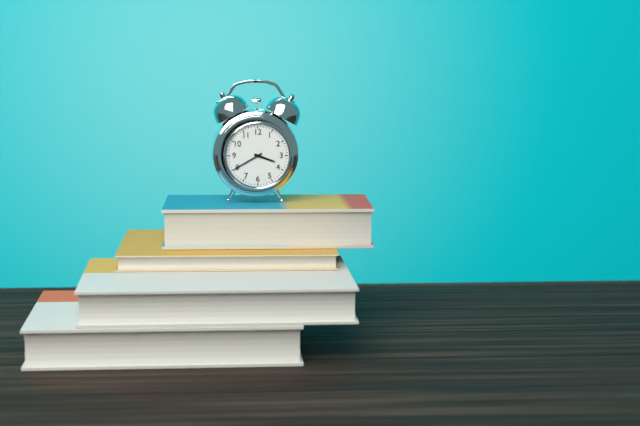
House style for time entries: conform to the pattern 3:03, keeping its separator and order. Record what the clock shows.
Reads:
3:40
